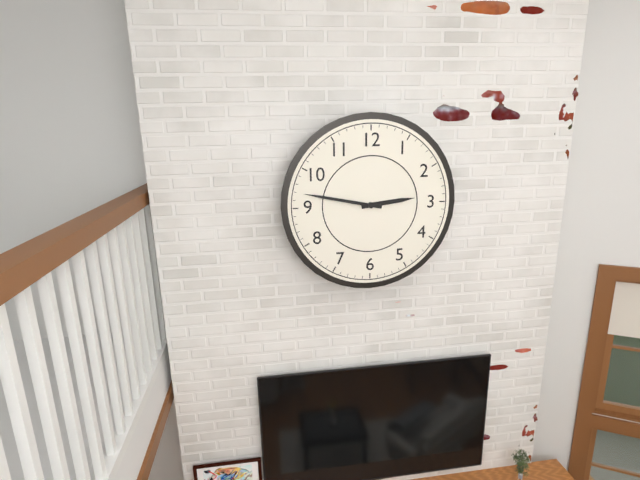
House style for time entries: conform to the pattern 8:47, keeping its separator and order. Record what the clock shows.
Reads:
2:47
